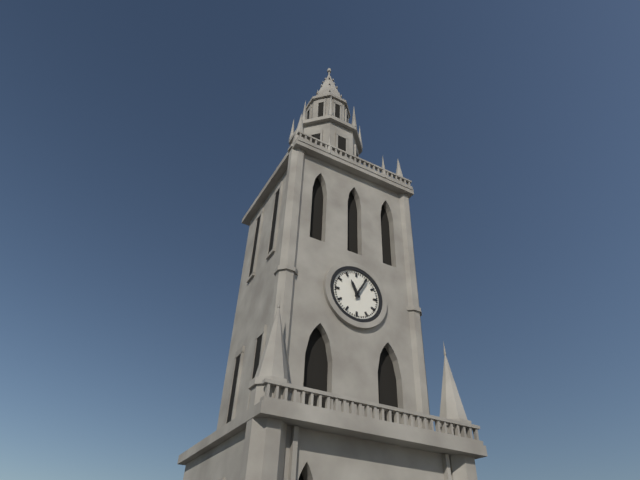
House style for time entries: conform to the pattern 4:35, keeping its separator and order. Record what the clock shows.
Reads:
11:05
